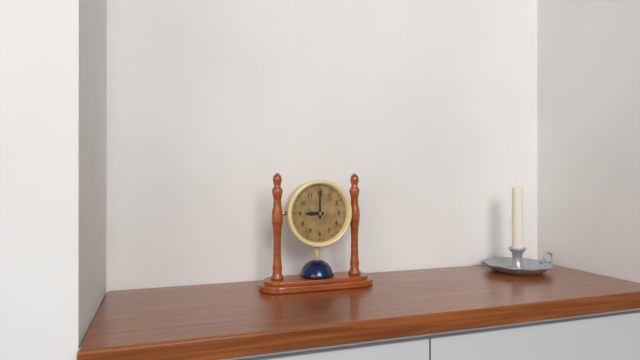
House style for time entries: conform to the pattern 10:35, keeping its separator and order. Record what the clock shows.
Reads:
9:00
